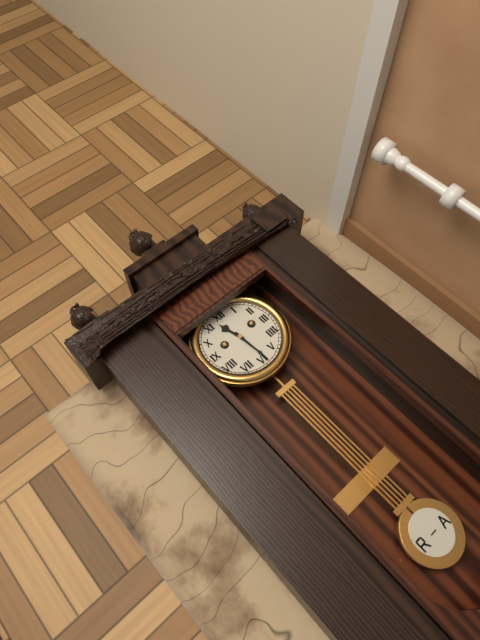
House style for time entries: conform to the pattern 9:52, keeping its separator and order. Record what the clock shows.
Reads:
11:29
